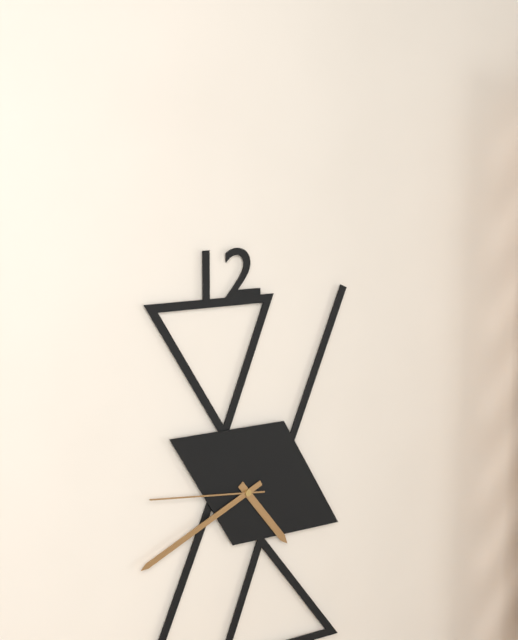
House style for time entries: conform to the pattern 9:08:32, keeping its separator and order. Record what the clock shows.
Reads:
4:41:46
